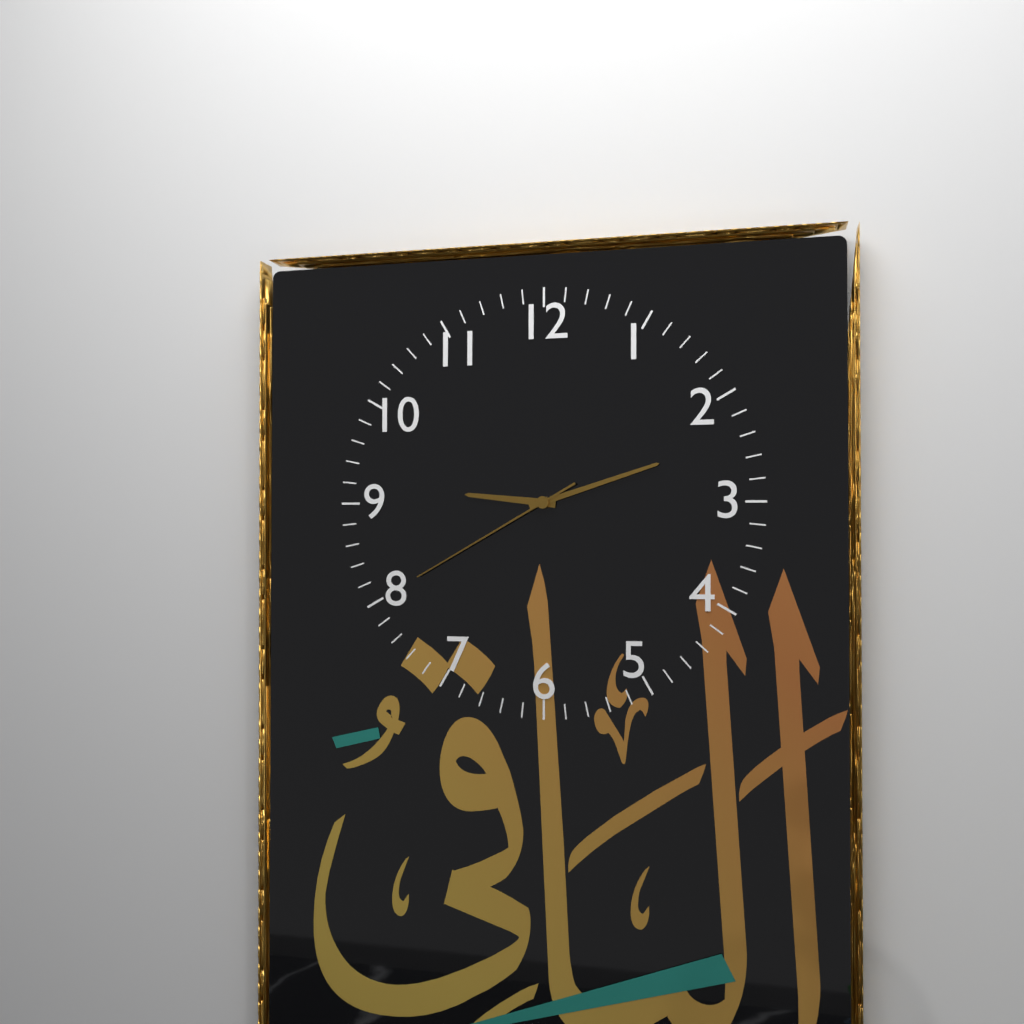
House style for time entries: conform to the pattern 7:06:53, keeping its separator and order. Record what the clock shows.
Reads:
9:12:40
